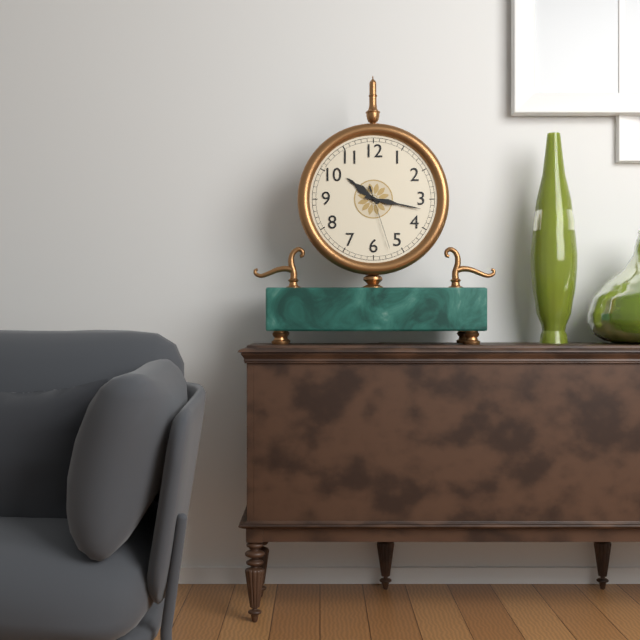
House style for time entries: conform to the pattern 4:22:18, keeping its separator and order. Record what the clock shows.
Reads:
10:17:27
